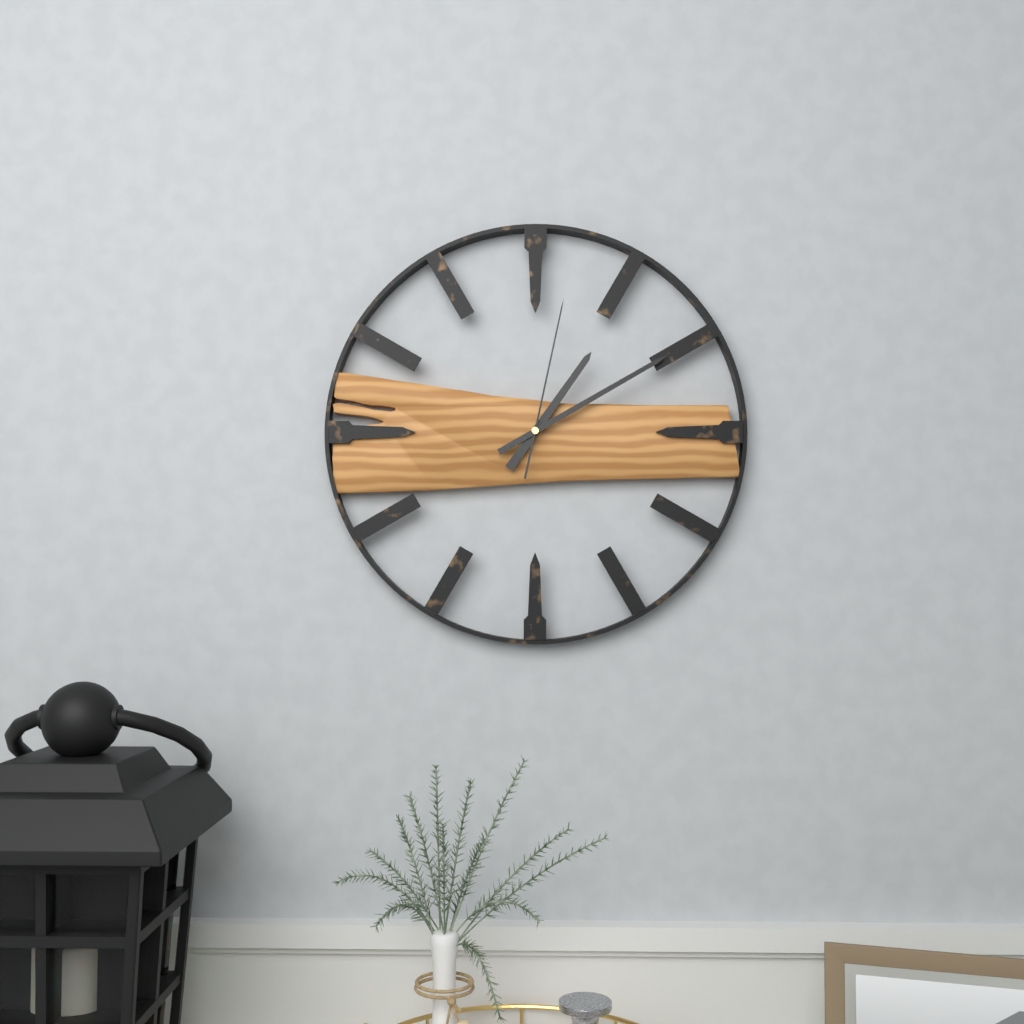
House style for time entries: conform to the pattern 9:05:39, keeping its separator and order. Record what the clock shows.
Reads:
1:10:02
